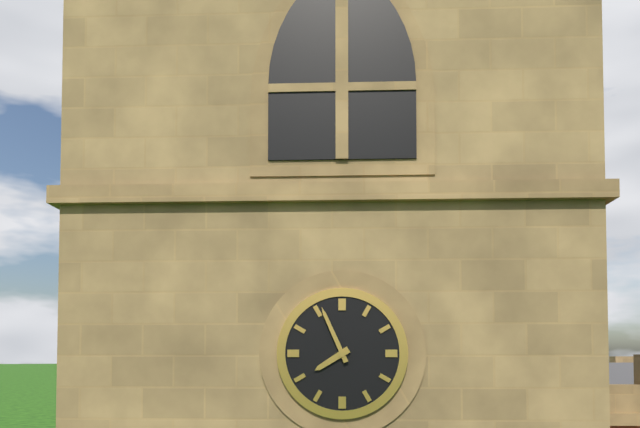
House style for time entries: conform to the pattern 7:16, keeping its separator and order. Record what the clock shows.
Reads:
7:56
